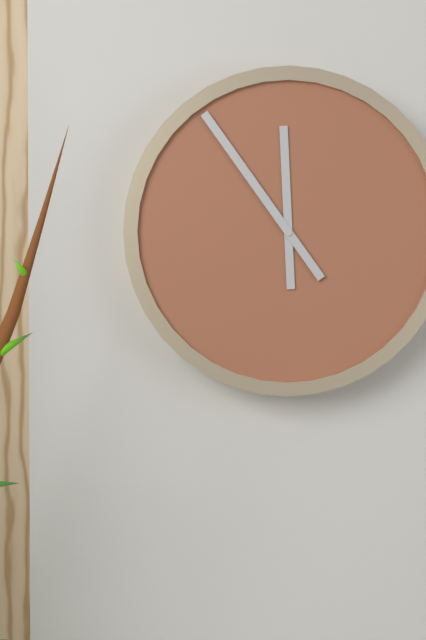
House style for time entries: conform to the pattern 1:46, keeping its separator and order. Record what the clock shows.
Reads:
11:54
